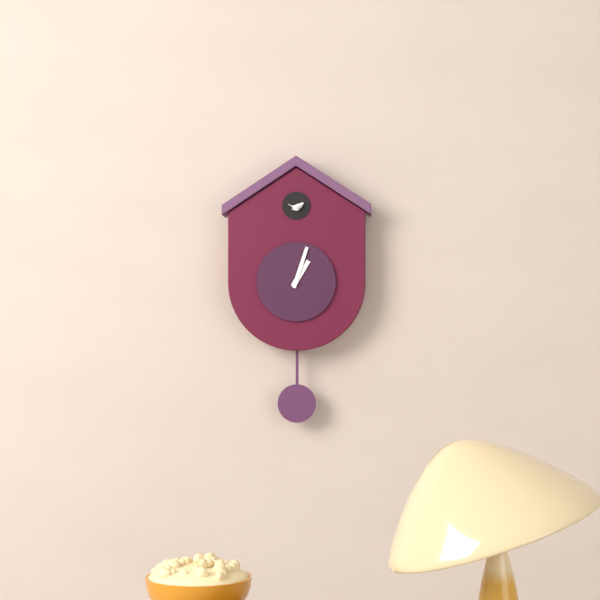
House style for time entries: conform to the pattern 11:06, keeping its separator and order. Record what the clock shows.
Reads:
1:03
